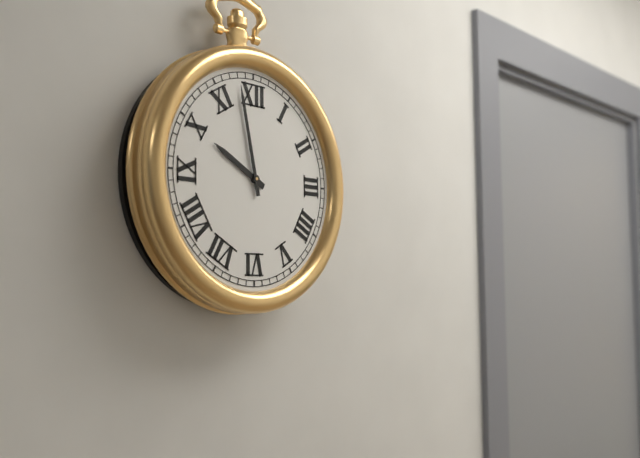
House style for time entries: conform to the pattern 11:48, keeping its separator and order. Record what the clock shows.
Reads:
9:58
